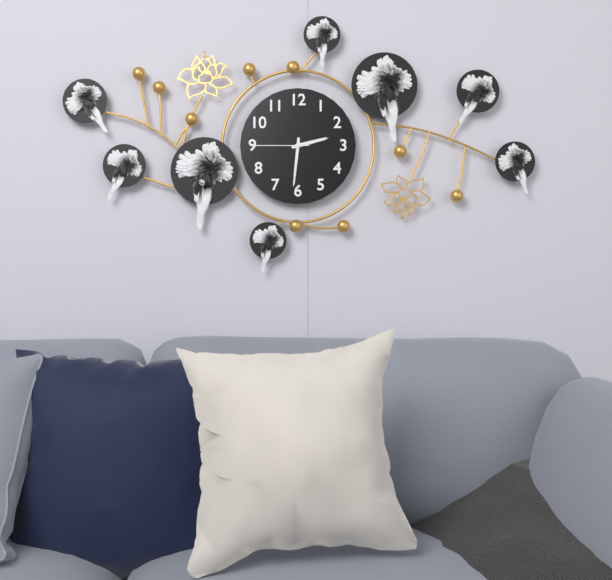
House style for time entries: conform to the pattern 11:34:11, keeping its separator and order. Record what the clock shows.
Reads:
2:31:45
